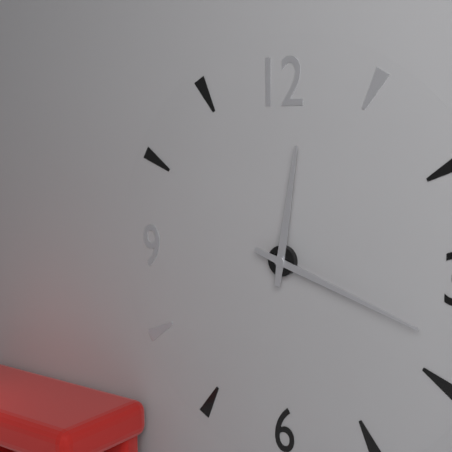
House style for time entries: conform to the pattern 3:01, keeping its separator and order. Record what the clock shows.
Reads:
12:18
